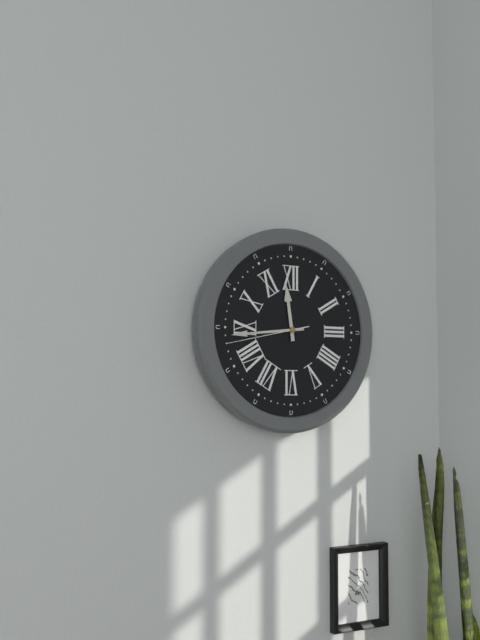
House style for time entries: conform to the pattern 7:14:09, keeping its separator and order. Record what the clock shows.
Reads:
11:44:43
